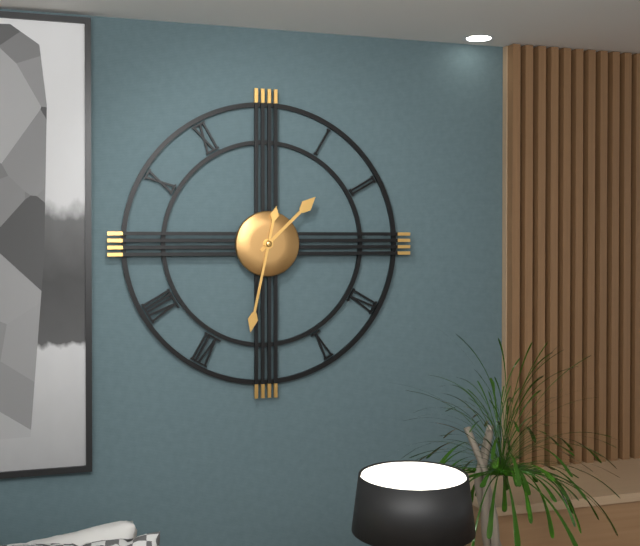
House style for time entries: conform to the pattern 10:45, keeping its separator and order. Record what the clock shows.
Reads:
1:32
